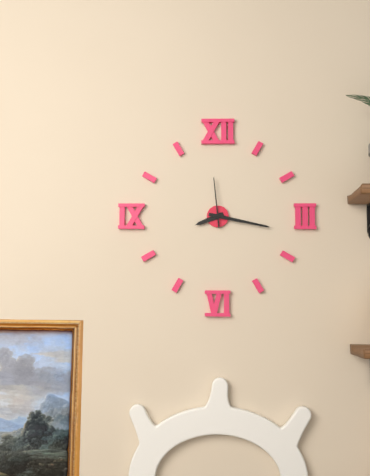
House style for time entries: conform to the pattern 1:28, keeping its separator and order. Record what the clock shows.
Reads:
8:17
